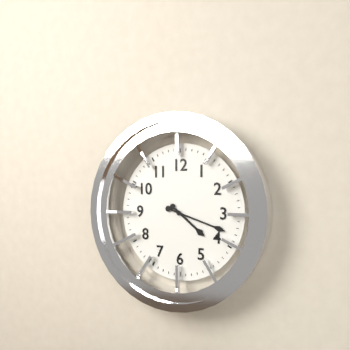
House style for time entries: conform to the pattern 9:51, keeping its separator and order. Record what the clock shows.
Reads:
4:18
